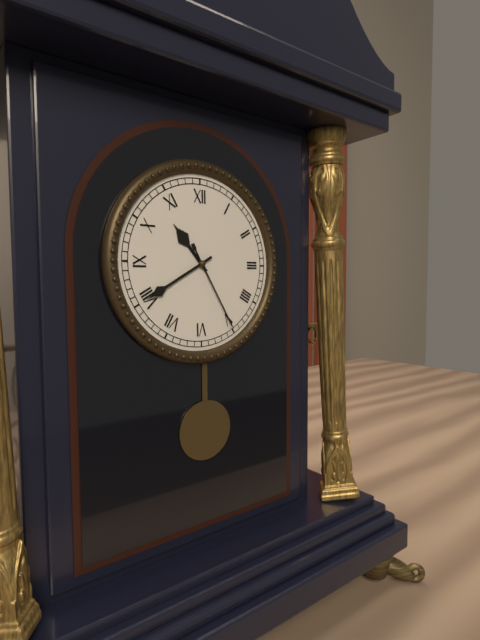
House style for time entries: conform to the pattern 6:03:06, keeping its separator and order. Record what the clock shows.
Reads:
10:40:25
